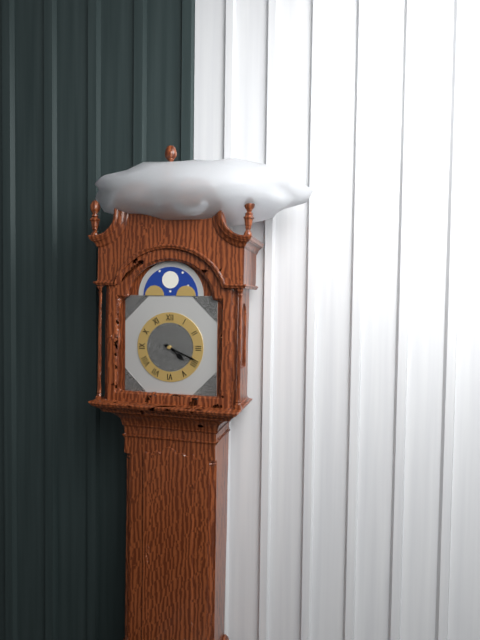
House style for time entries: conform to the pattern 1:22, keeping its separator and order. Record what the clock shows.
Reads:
4:19
